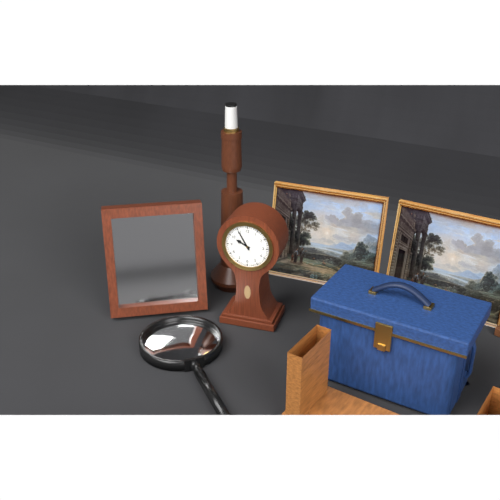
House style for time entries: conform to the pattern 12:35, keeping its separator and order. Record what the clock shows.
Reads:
9:55
